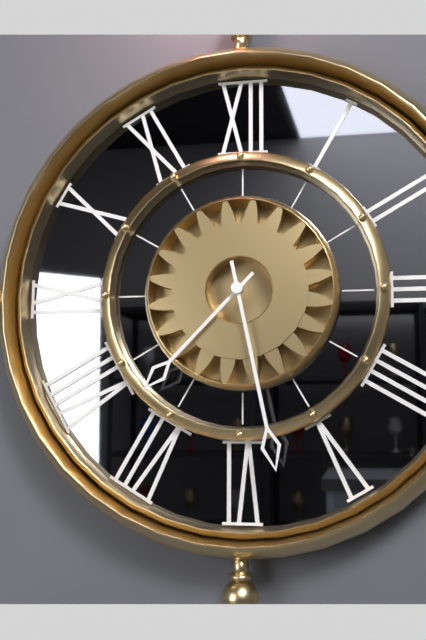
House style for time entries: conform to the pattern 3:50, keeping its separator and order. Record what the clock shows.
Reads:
7:28
